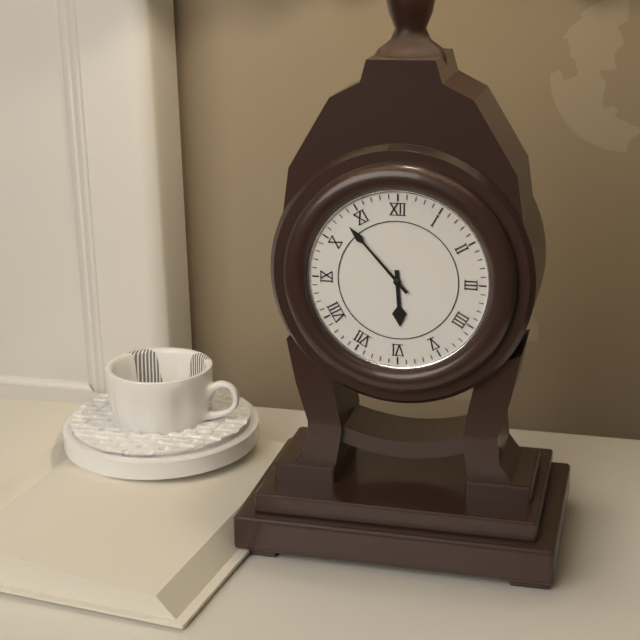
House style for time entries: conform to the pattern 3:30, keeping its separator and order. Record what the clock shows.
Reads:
5:53
